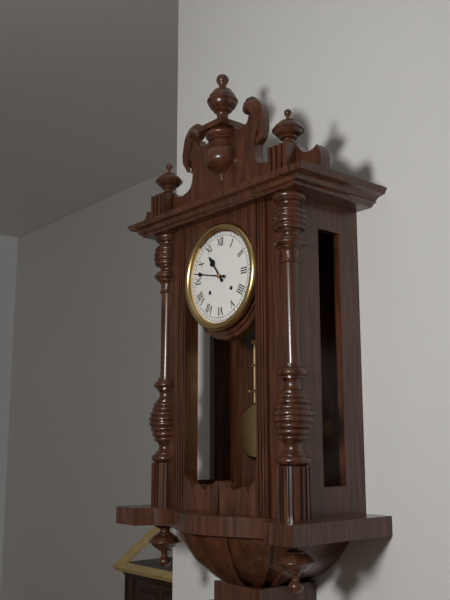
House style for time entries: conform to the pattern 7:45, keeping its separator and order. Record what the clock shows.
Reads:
10:47
